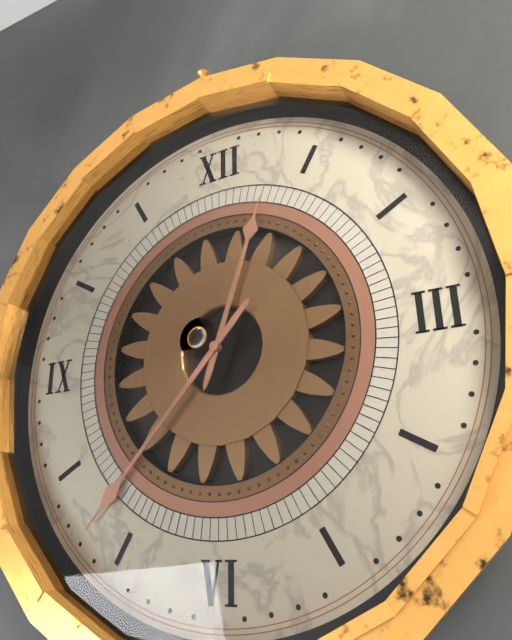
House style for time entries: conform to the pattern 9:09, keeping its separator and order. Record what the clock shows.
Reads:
12:37
